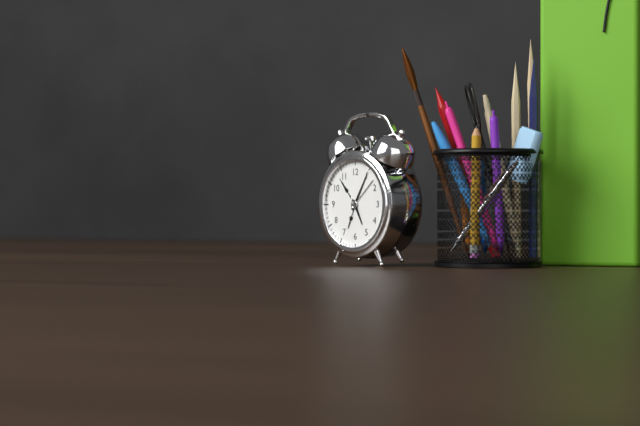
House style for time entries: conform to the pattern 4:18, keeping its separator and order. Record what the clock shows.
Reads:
5:05
